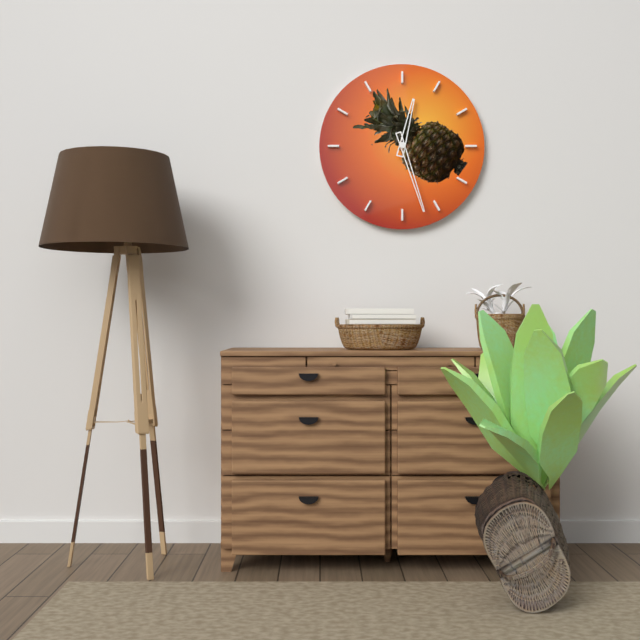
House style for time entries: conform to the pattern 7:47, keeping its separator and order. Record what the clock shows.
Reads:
12:27
